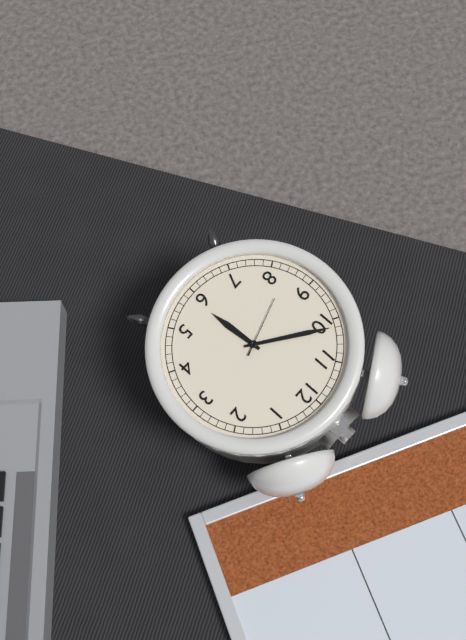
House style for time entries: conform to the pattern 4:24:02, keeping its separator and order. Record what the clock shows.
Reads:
5:51:42
